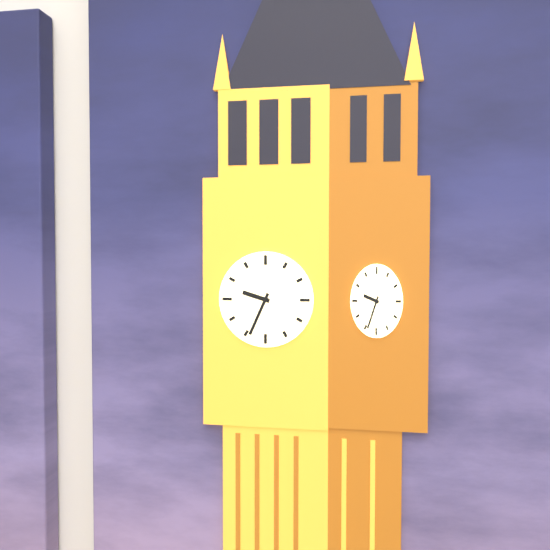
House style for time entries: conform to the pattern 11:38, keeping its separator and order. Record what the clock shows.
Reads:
9:34
